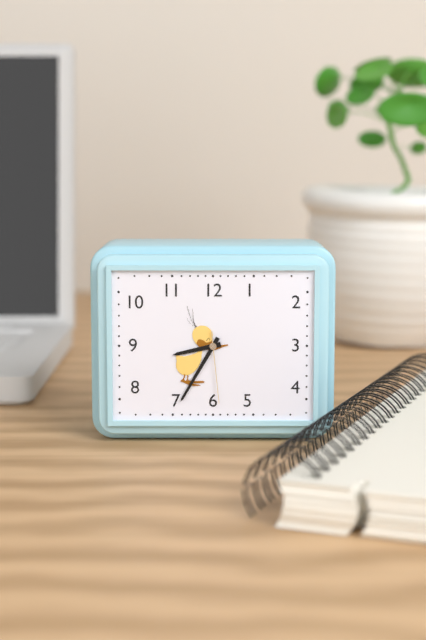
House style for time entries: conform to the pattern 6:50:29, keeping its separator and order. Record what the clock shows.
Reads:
8:35:29
